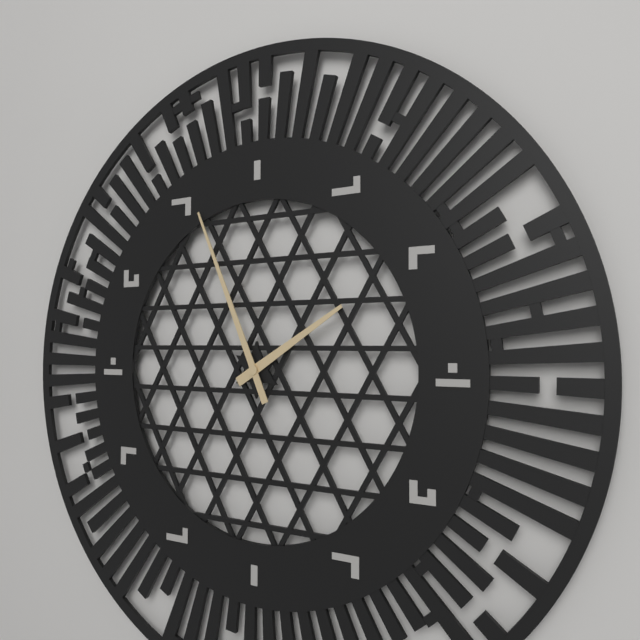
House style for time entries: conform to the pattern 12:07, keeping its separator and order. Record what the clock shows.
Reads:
1:56
